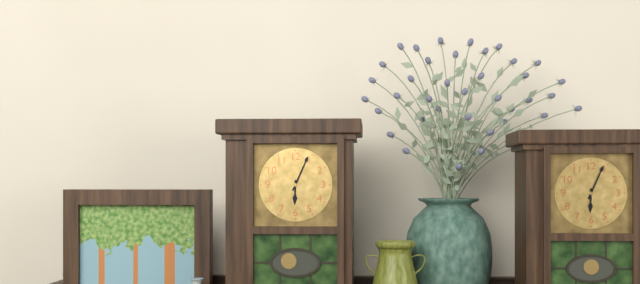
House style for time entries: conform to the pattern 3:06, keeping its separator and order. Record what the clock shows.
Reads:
6:04
